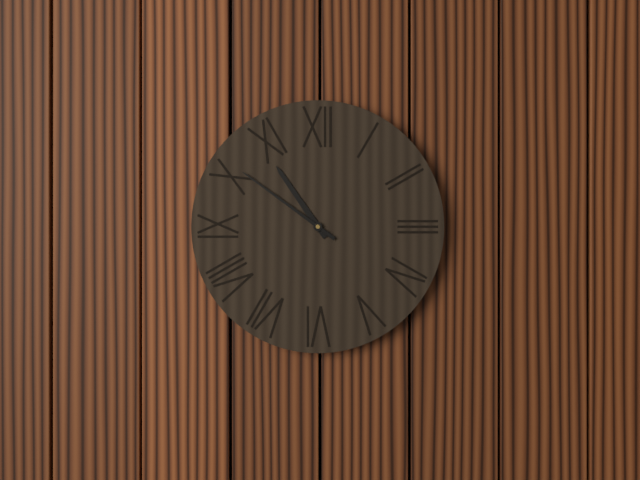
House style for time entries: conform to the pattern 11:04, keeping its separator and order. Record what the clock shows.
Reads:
10:51
